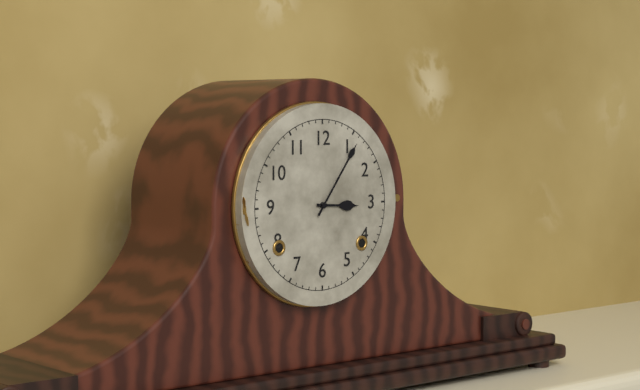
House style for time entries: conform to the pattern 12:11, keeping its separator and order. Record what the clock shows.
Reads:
3:06
